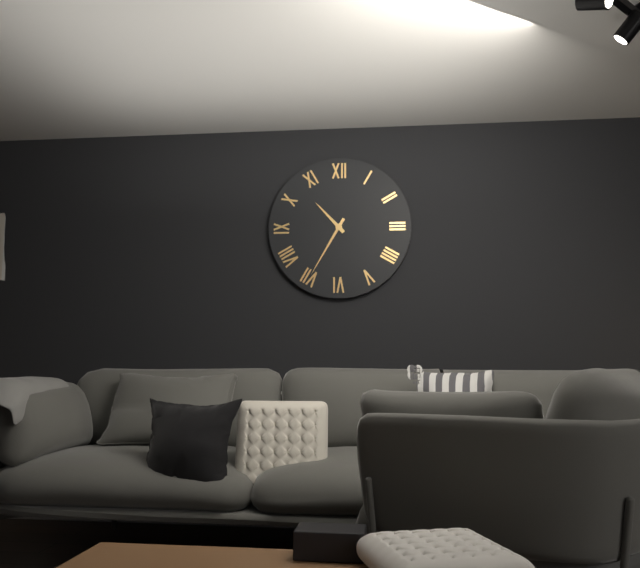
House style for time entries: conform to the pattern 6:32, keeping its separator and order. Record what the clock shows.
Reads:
10:35
